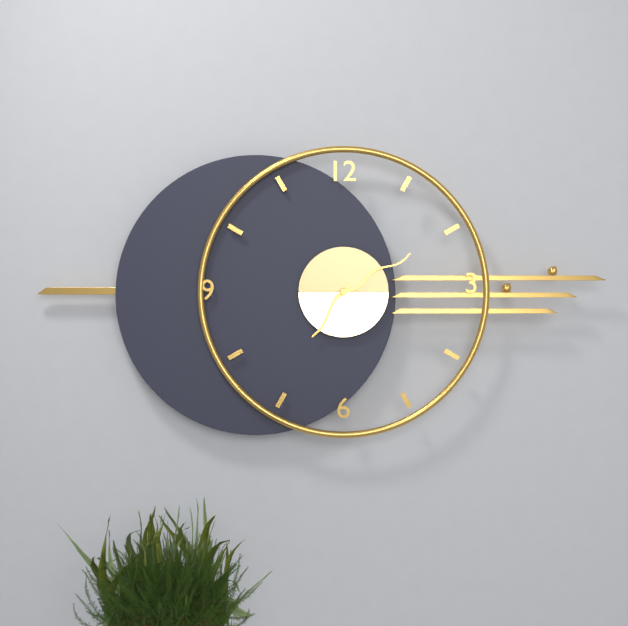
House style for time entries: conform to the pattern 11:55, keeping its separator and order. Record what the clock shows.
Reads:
7:10
